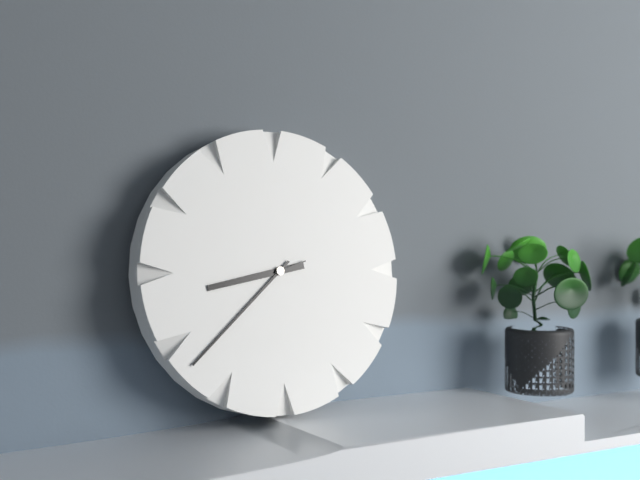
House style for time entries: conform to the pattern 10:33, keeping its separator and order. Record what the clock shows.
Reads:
8:38
